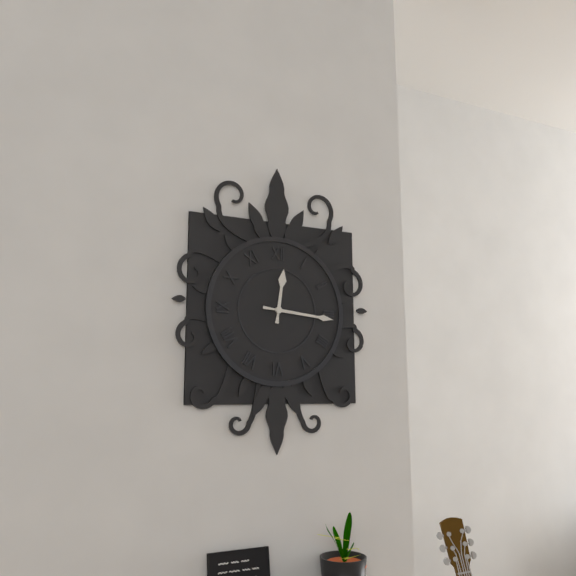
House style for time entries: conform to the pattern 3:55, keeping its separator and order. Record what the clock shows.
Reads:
12:16
